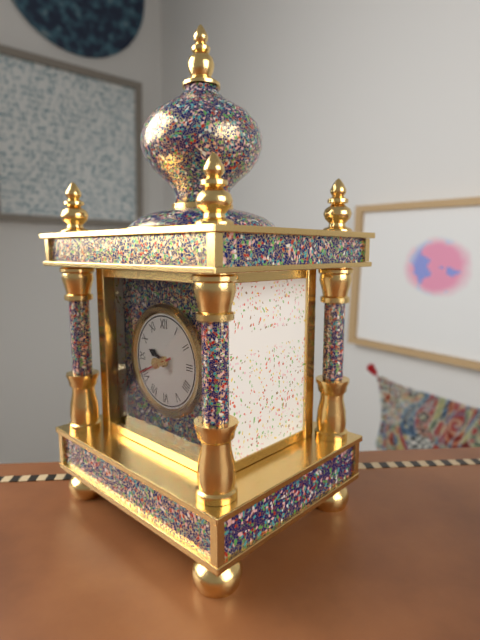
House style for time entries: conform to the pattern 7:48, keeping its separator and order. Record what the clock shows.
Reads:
9:41
